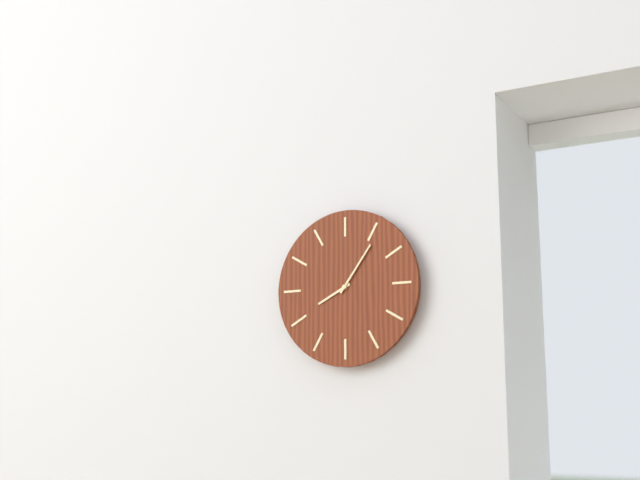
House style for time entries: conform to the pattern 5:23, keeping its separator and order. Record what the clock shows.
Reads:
8:06
